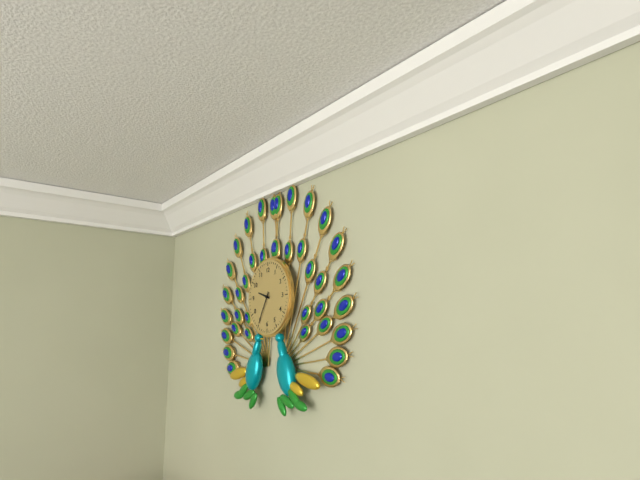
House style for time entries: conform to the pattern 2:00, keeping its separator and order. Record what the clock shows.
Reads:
9:35
